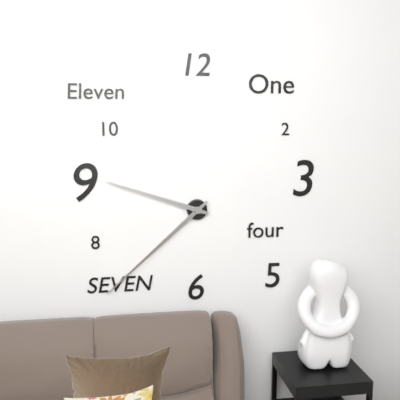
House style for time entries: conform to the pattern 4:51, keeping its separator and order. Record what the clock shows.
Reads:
9:38
